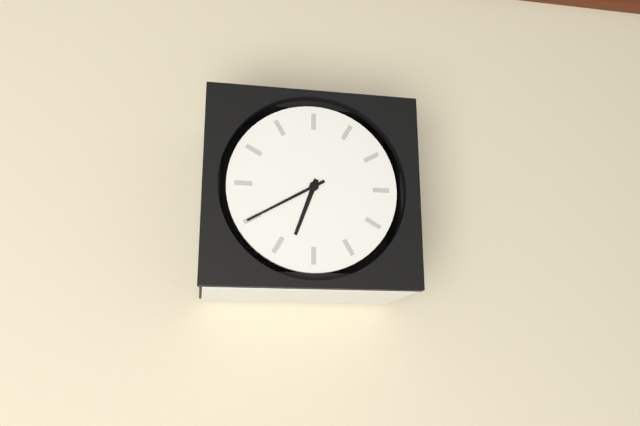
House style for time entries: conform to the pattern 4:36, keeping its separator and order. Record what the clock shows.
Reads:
6:40
